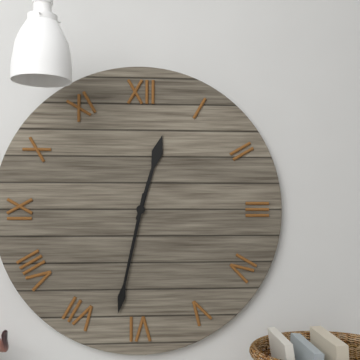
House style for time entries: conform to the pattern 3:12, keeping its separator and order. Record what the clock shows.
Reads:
12:32
